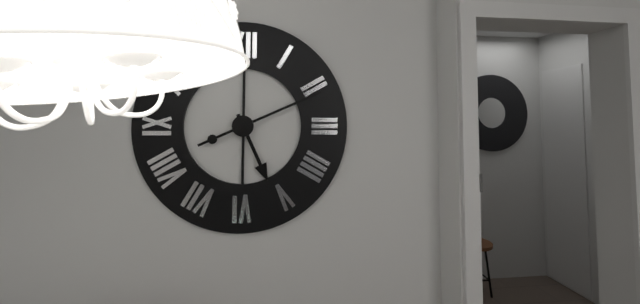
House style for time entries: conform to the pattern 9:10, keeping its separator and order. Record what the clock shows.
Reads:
5:11
